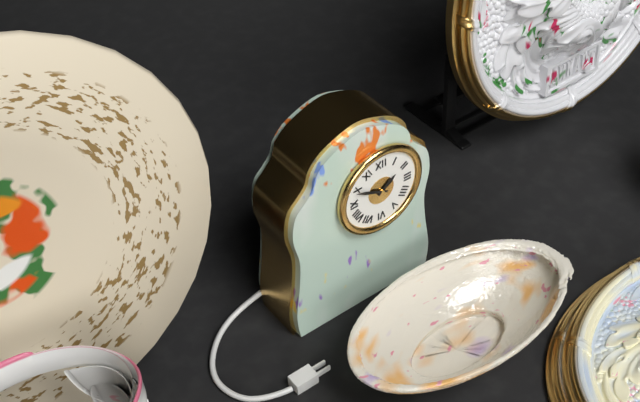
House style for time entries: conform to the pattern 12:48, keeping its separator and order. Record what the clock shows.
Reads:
1:49
